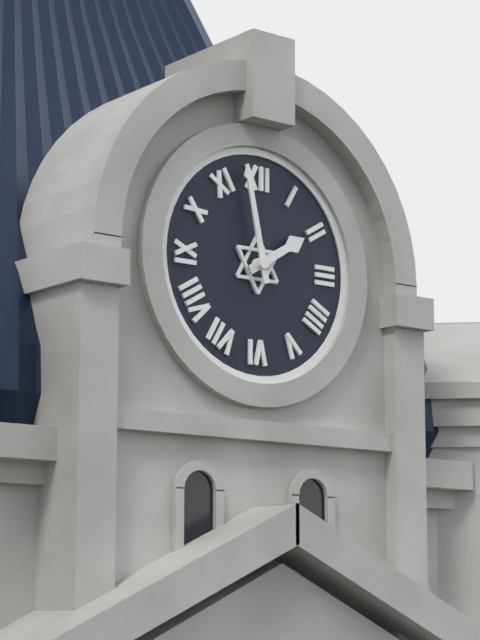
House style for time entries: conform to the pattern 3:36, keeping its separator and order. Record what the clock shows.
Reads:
1:58
